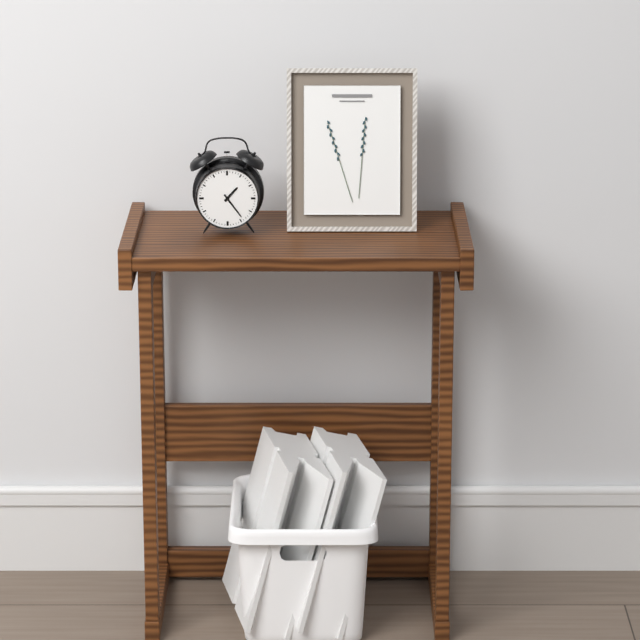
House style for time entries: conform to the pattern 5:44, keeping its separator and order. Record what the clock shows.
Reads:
1:24
